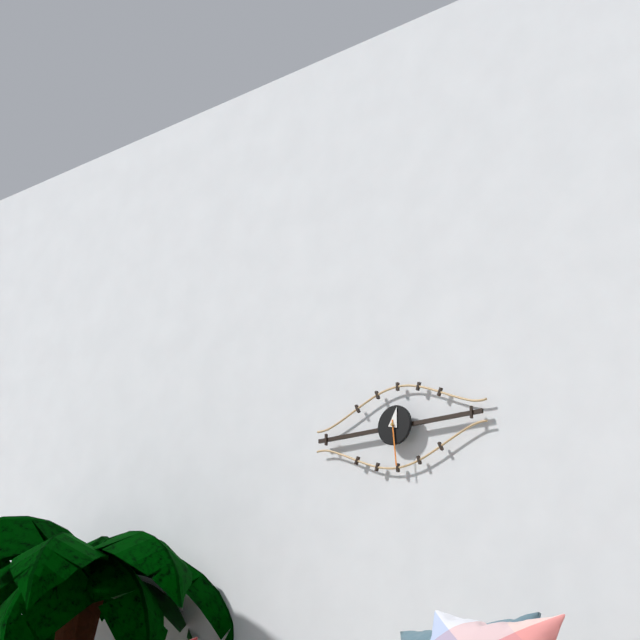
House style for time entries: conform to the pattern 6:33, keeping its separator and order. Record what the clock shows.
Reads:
12:29
